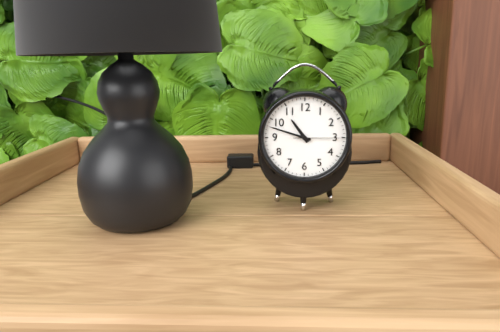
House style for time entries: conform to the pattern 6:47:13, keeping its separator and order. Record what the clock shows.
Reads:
10:48:15
